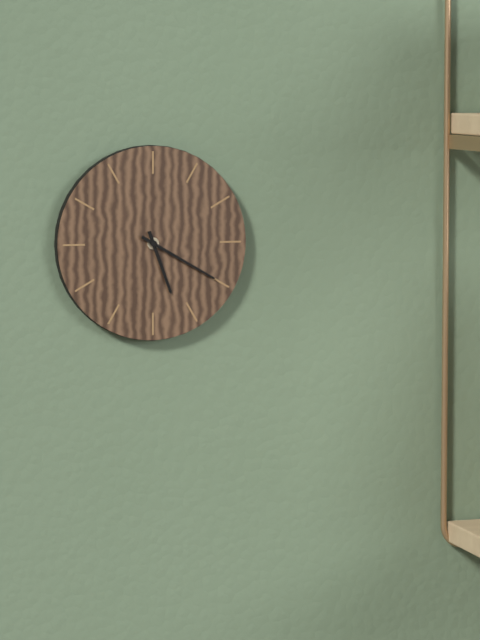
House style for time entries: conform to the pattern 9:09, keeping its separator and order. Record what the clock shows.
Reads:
5:20
